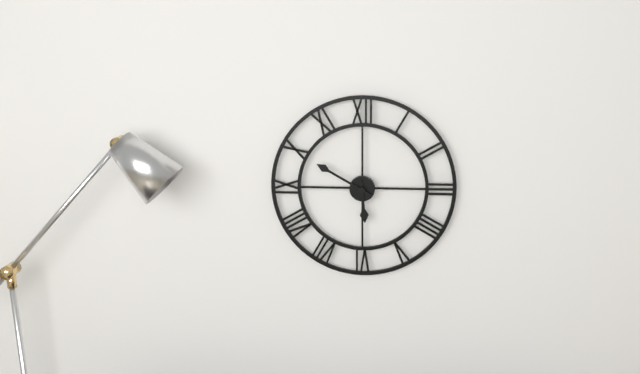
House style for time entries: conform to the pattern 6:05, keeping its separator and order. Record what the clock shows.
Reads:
5:50
